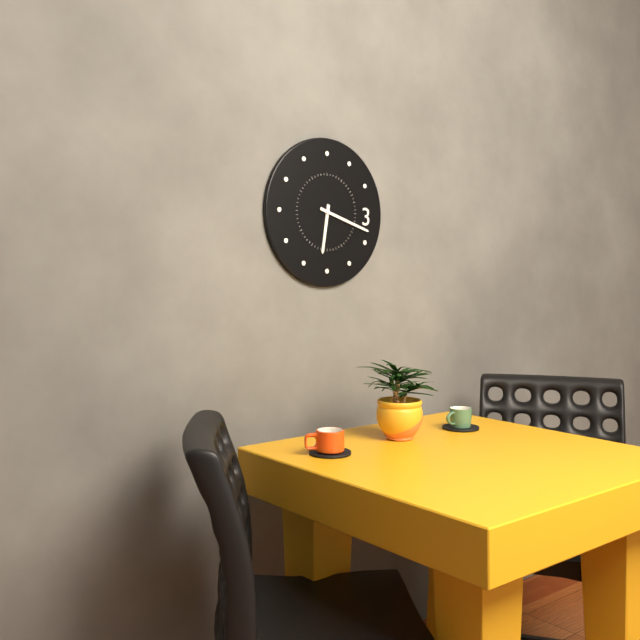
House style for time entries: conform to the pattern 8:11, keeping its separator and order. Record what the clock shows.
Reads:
6:18
